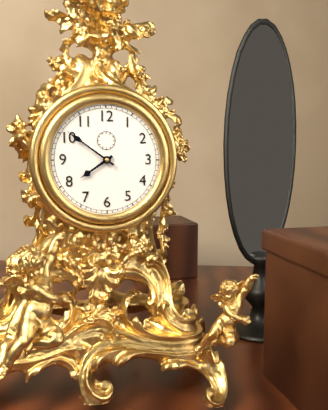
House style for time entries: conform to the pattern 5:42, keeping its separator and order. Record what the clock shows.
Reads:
7:51
